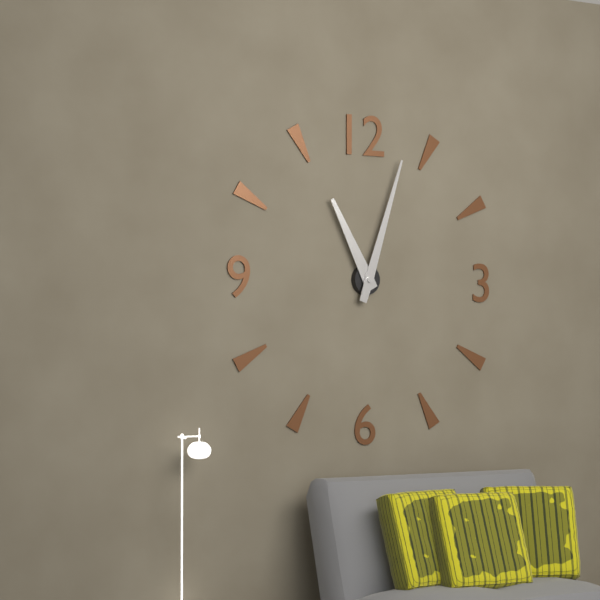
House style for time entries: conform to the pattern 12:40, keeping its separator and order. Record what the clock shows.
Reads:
11:03
